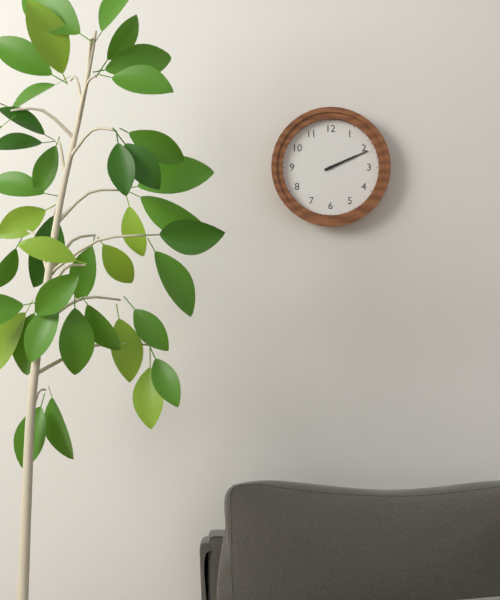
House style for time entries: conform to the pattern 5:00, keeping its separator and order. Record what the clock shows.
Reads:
2:11
